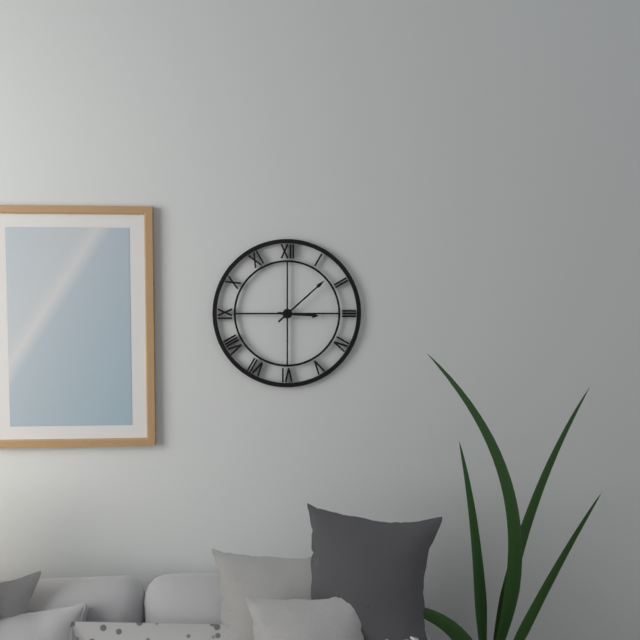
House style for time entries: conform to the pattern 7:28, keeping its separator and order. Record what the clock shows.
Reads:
3:08
